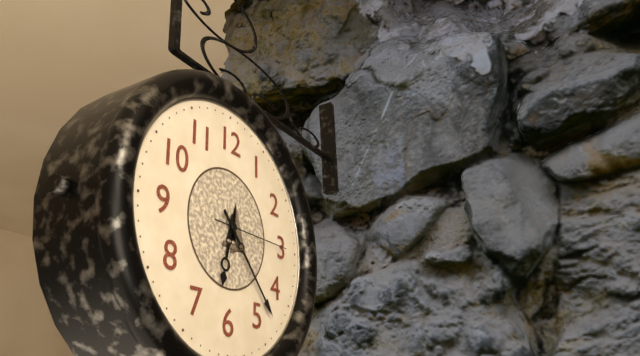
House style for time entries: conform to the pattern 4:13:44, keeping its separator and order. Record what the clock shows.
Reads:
6:23:15
